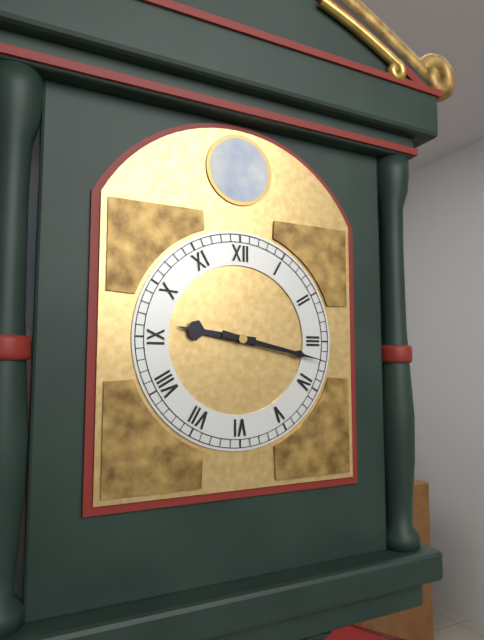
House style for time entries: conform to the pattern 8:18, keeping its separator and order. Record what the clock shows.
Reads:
9:17
